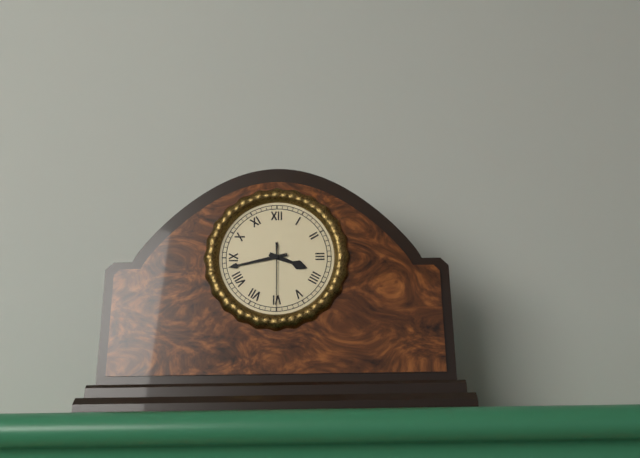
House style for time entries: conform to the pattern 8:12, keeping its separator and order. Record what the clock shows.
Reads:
3:43
